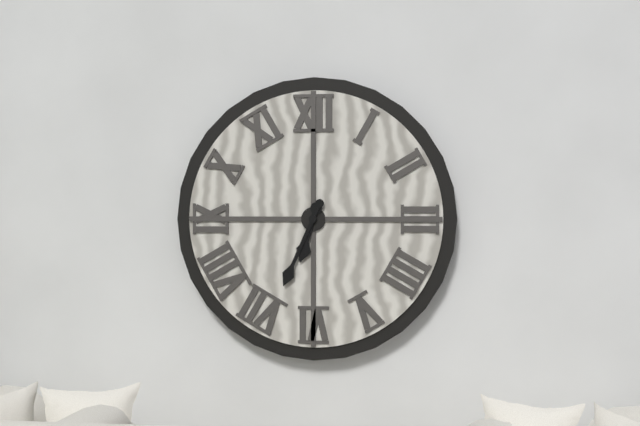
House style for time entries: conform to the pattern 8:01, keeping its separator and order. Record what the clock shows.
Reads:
6:34
